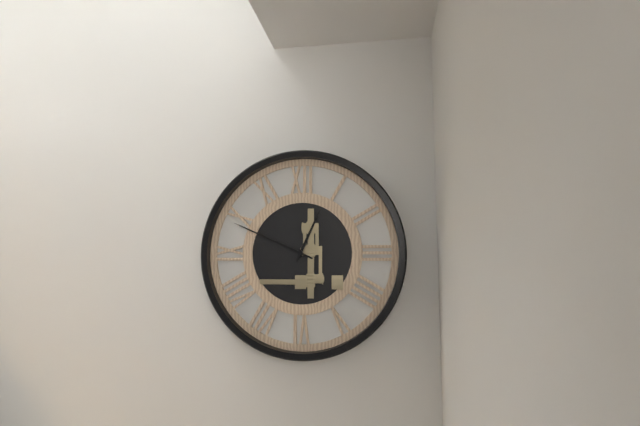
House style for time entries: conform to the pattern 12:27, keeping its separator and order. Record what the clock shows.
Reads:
12:49
